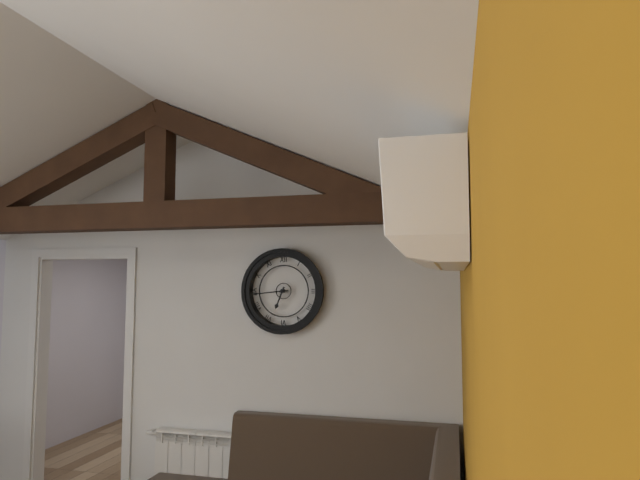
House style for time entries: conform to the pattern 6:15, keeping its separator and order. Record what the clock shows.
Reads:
6:44
